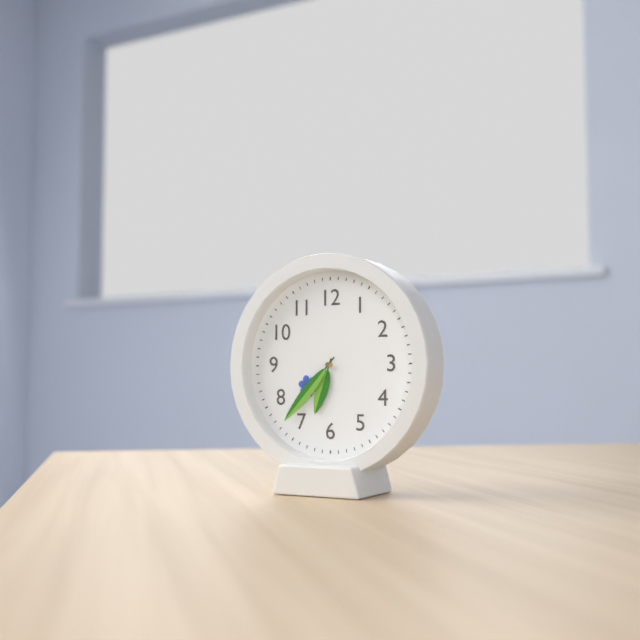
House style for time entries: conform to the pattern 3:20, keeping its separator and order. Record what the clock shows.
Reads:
6:37
